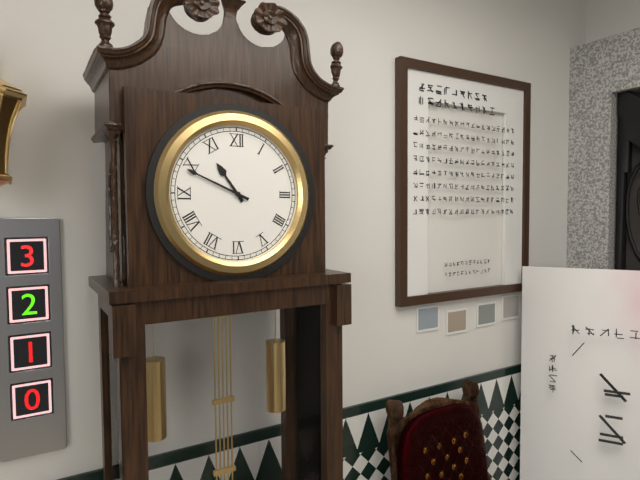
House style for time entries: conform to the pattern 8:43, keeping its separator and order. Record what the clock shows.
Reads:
10:49
